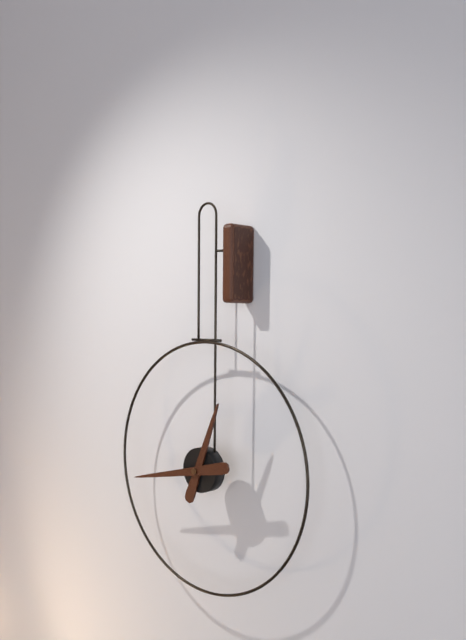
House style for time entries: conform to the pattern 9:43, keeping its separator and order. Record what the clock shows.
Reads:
12:43
